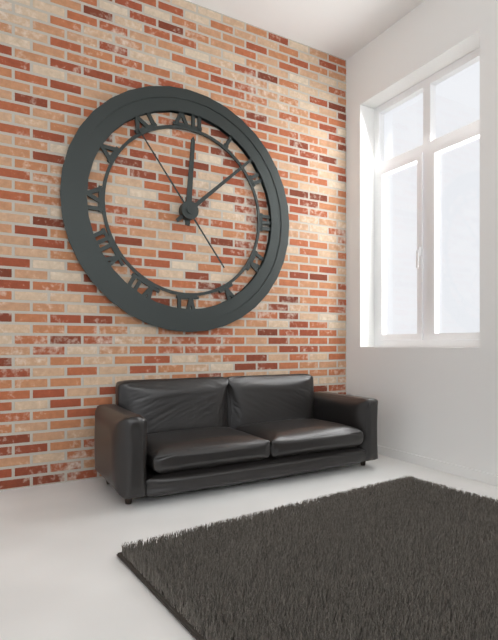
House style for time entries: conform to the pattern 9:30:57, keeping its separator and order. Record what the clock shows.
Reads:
12:08:54
